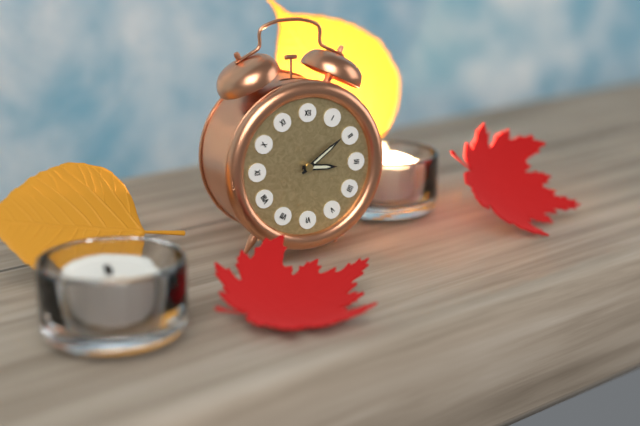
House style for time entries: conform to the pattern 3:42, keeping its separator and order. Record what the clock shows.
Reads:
3:09
